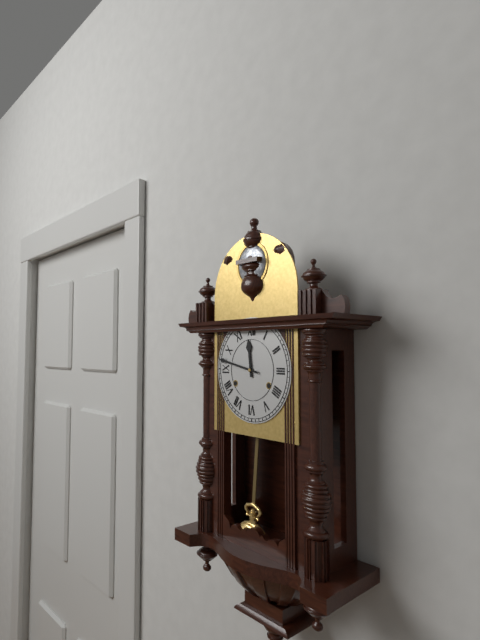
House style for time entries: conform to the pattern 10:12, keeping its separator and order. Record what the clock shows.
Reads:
11:47
